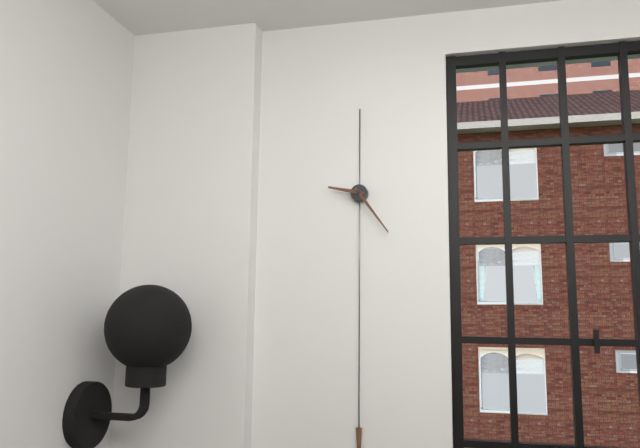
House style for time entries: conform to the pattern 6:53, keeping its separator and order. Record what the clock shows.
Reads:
9:24
